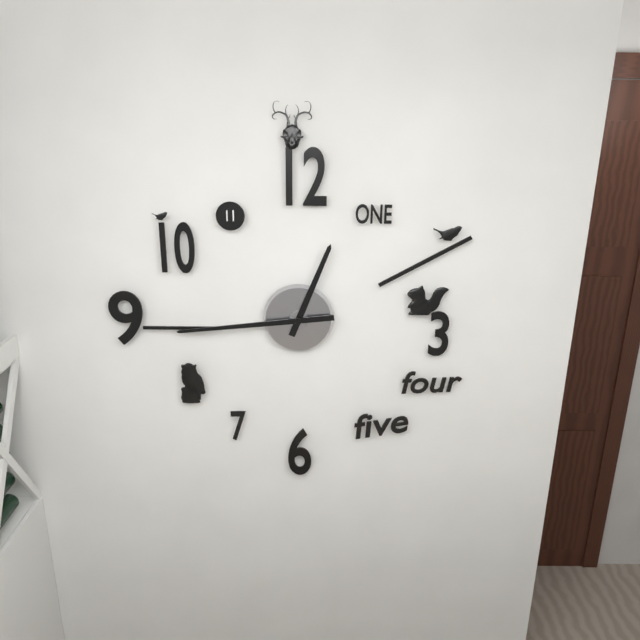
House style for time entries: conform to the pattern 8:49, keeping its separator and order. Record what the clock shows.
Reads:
12:44
